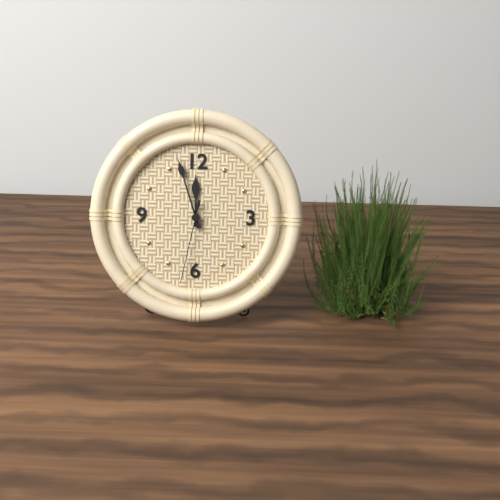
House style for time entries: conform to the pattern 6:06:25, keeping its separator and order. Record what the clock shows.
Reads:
11:57:32
